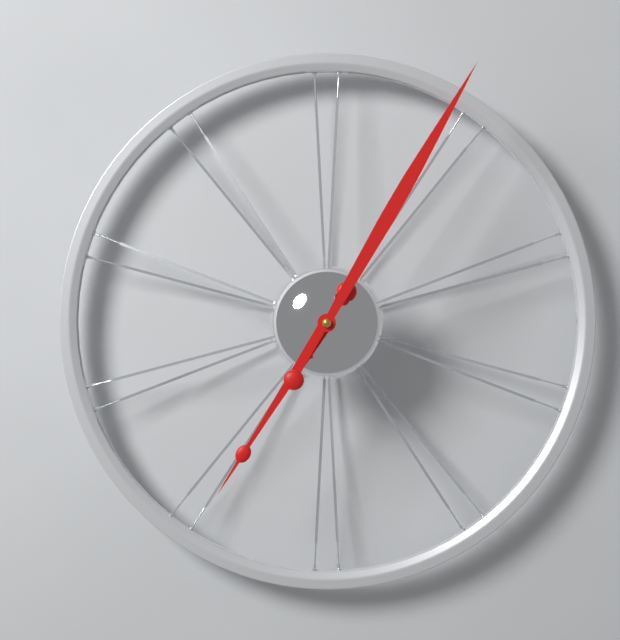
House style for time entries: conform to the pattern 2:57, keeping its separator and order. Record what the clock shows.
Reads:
7:05
